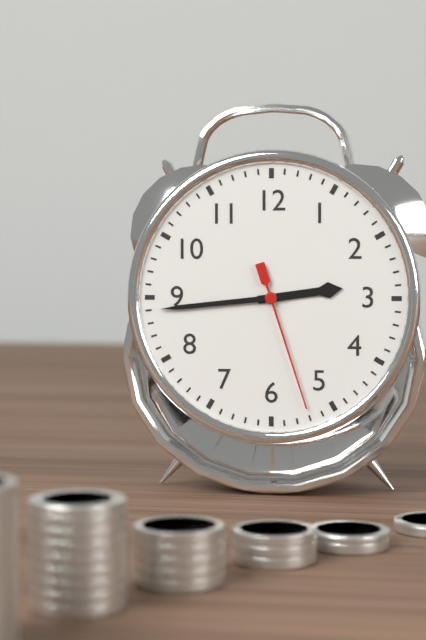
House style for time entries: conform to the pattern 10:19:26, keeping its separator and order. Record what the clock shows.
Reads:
2:44:27
